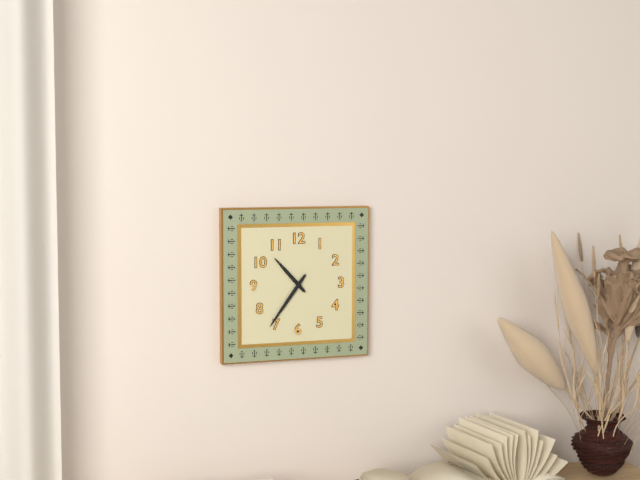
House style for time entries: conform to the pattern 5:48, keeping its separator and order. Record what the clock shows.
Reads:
10:36
